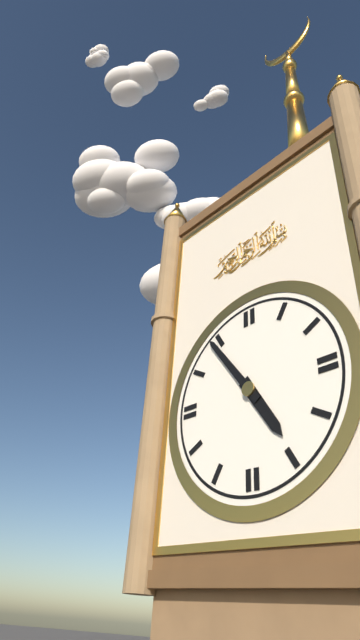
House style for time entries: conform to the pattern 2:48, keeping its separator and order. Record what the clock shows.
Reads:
4:54
